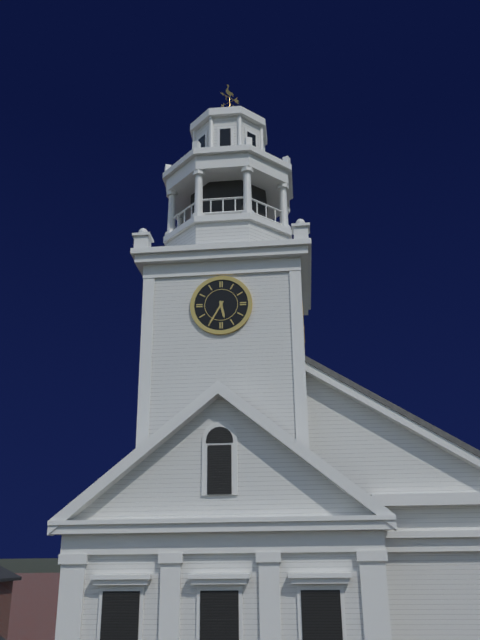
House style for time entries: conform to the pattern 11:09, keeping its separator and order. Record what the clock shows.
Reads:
5:35
